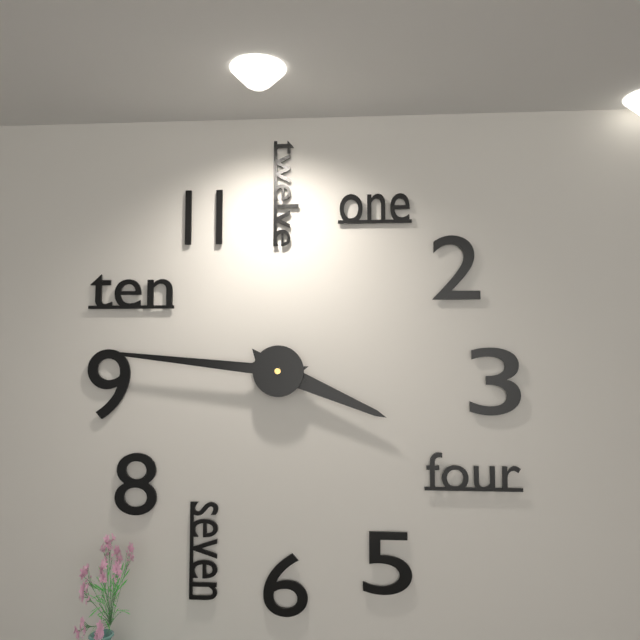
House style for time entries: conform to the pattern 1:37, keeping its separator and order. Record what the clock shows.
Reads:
3:46
